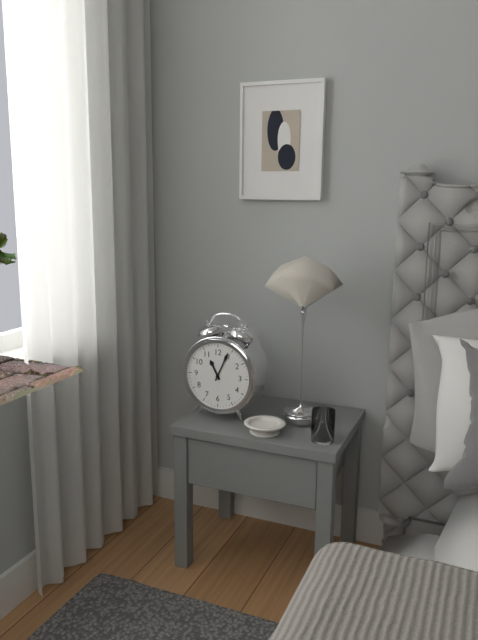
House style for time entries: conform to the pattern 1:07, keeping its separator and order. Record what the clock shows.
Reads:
11:04
